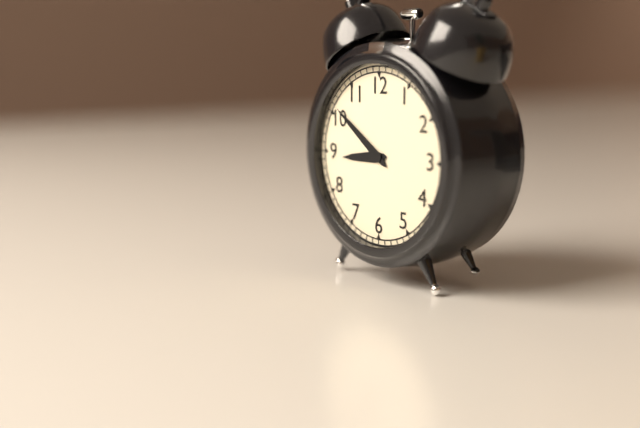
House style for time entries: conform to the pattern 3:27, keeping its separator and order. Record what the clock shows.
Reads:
8:51
